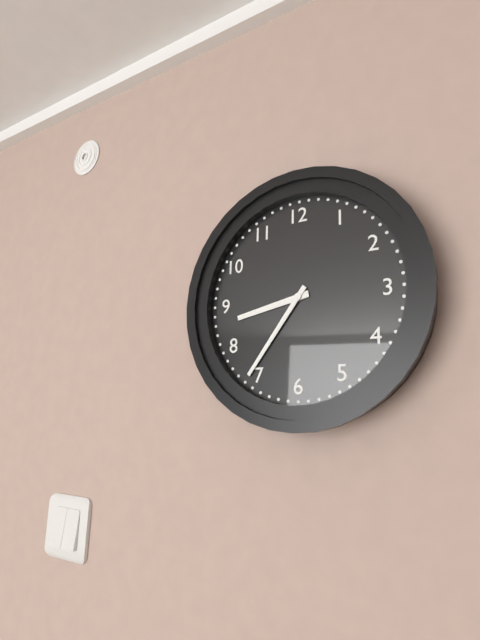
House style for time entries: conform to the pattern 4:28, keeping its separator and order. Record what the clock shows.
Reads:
8:36
